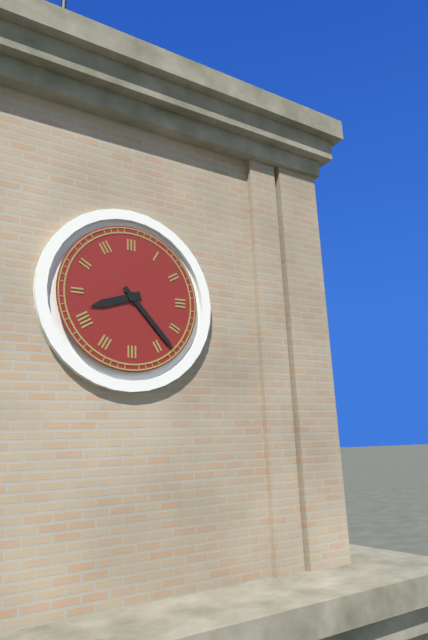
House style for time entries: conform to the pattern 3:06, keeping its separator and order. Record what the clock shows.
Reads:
8:23
